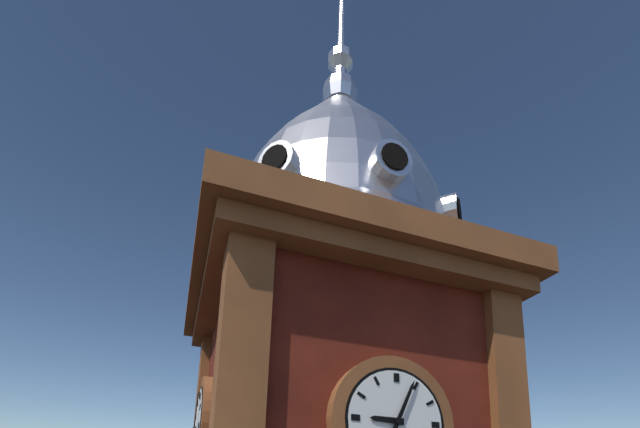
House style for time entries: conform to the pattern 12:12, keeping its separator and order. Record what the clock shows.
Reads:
9:04
